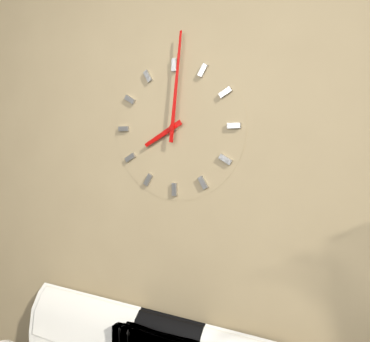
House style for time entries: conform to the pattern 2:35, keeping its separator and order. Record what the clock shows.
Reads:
8:01
